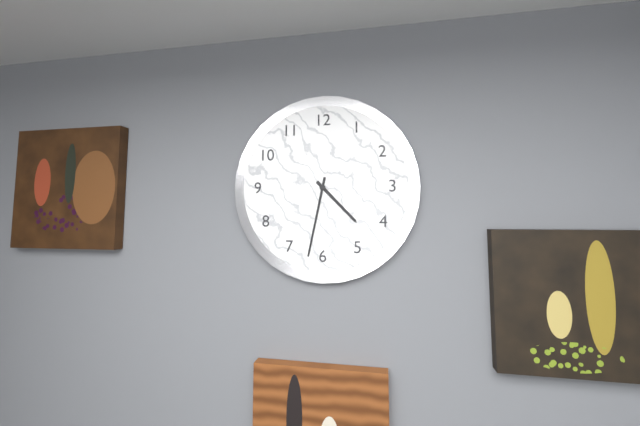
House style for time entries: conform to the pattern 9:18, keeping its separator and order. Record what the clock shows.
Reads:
4:32
